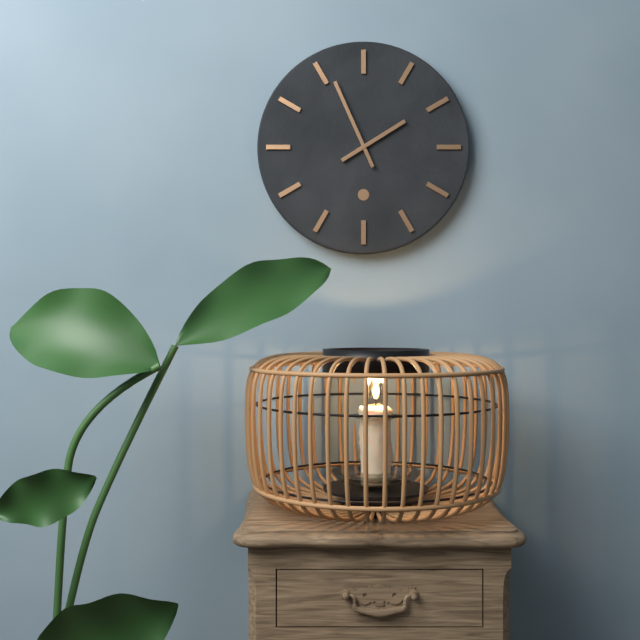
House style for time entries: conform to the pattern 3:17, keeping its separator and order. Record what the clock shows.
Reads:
1:56
